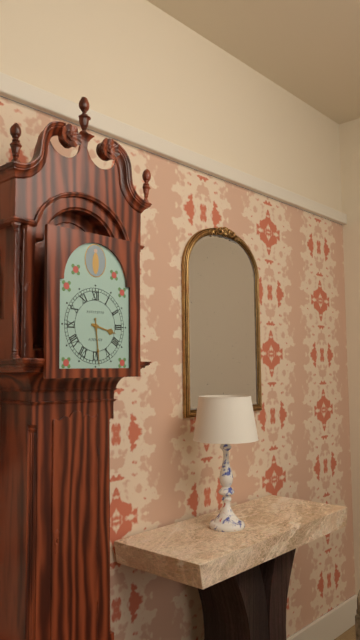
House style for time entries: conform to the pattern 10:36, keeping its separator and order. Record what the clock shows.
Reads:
3:29
